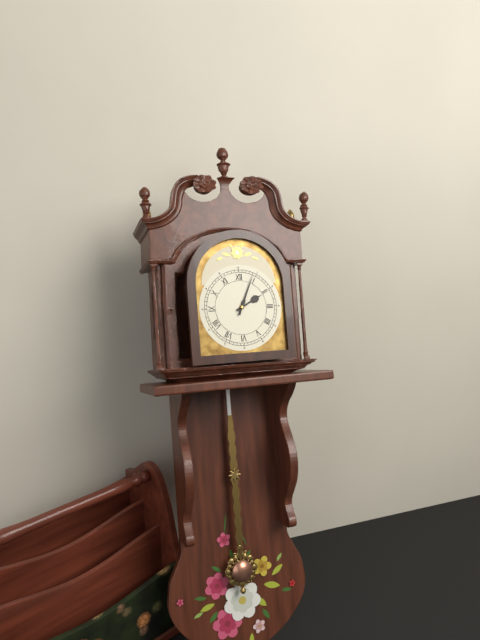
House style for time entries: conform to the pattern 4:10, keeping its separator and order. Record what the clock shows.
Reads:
2:04
